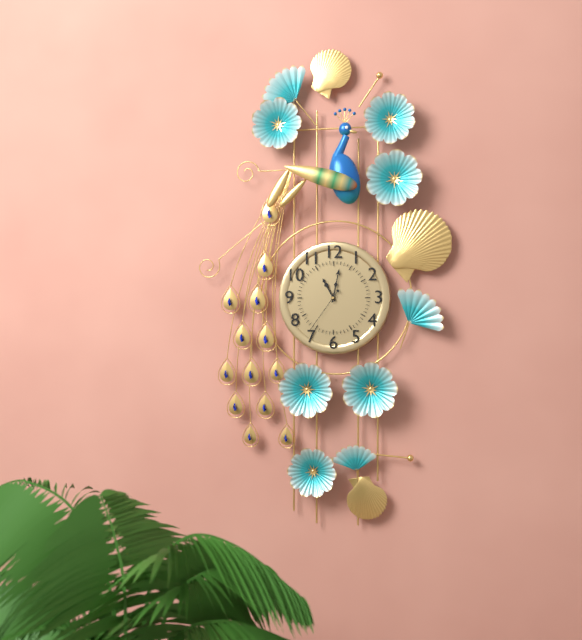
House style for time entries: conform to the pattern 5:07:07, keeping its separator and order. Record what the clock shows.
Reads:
11:02:36
